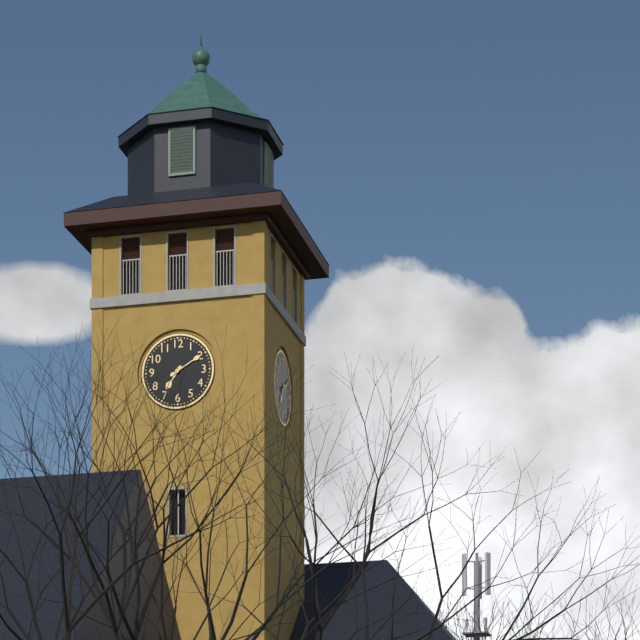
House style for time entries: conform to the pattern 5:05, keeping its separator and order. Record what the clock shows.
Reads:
7:10
